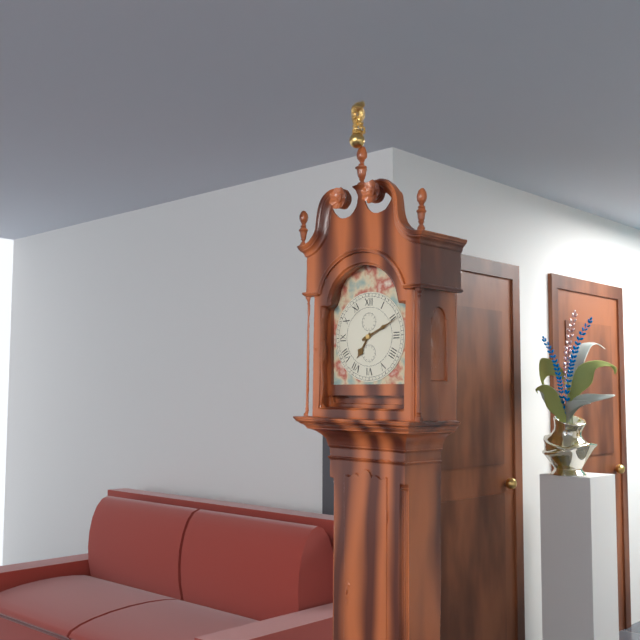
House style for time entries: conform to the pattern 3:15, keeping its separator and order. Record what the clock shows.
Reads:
7:11
